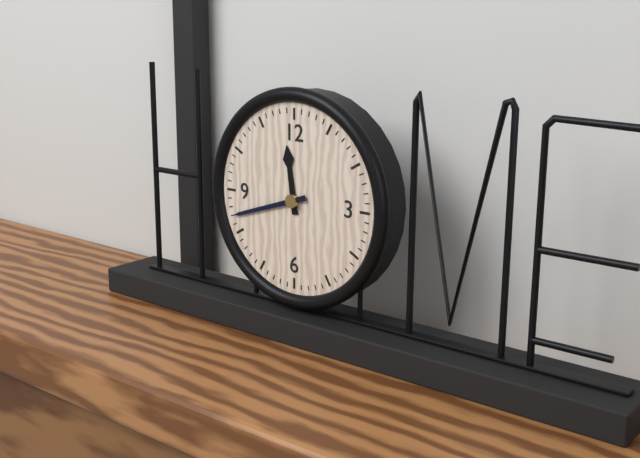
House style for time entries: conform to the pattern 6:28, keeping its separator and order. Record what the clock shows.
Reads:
11:42
